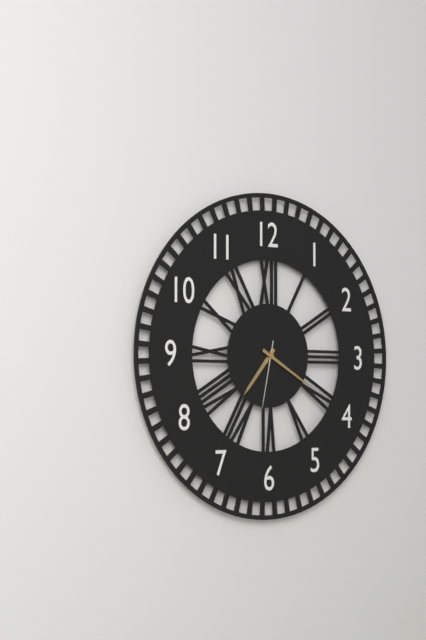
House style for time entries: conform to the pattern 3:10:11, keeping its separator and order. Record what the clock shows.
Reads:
7:20:32
